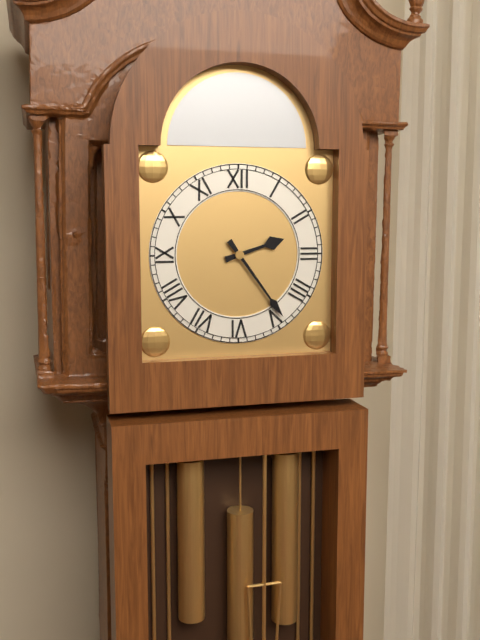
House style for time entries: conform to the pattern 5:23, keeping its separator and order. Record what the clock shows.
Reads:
2:24
